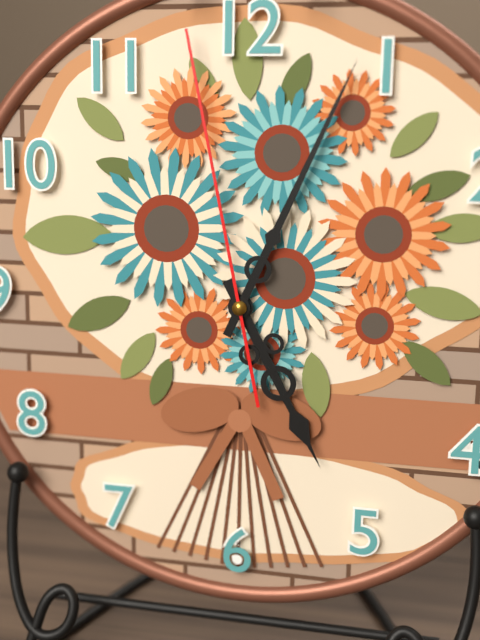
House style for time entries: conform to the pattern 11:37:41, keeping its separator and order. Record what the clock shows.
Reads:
5:04:58
